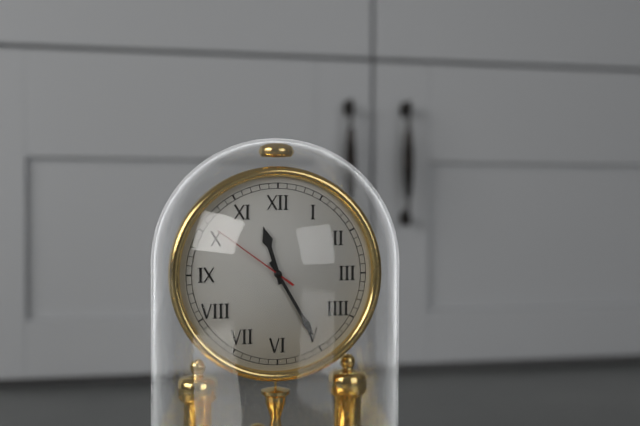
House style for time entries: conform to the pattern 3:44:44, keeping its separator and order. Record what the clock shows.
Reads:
11:25:51
